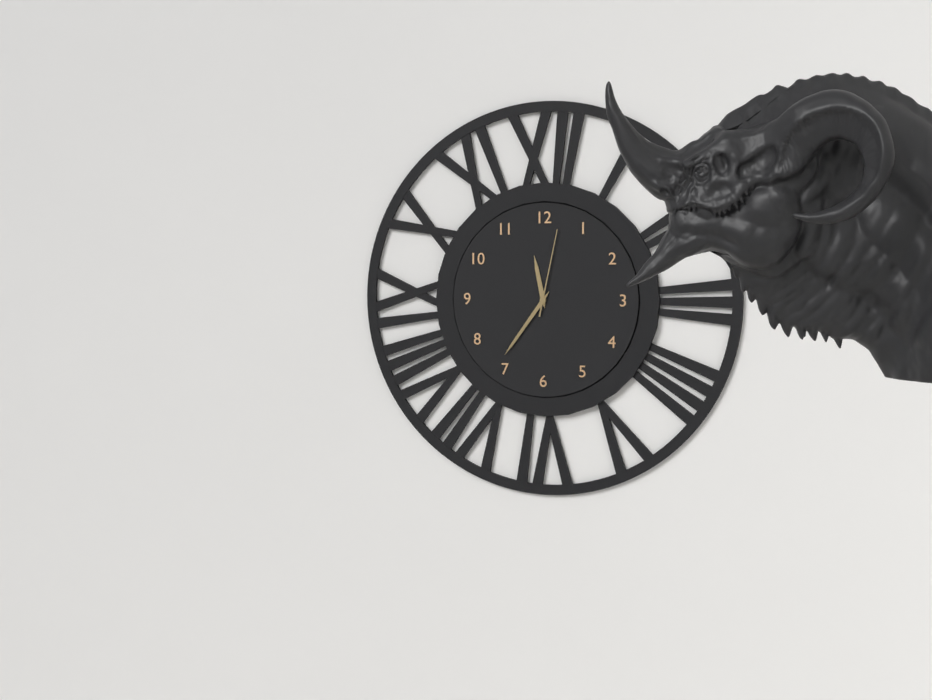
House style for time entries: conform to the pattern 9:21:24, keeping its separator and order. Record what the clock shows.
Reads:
11:36:02
